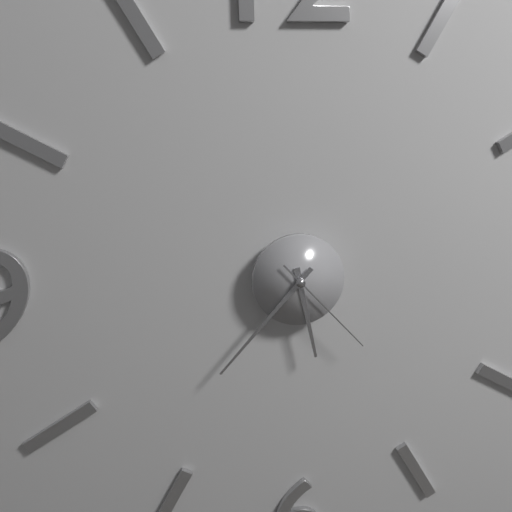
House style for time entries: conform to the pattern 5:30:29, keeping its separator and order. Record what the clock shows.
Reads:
5:37:23
